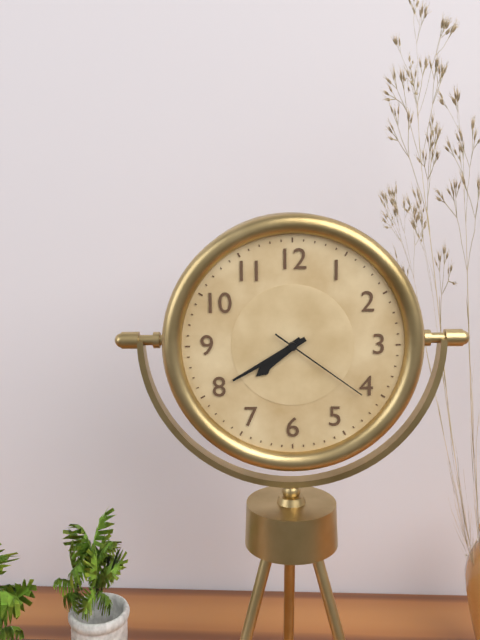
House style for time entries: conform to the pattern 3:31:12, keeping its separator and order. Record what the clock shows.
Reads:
7:40:21
